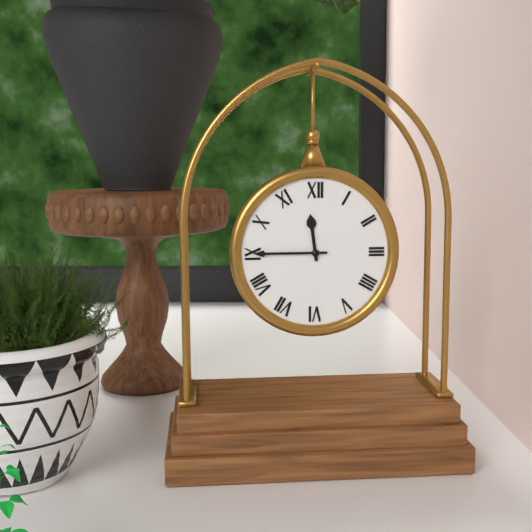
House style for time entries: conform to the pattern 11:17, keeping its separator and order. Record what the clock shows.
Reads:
11:45
